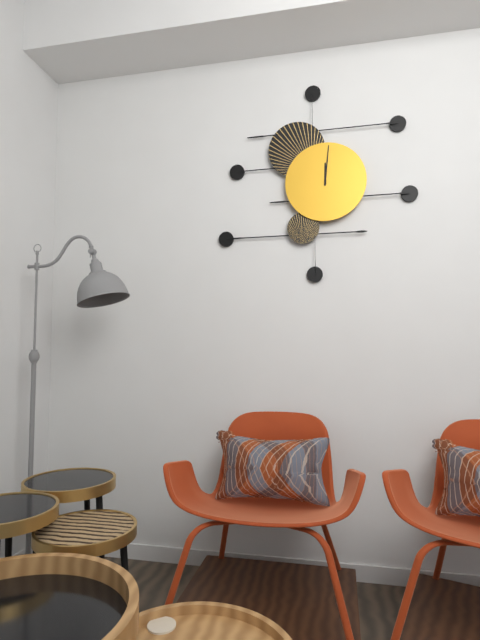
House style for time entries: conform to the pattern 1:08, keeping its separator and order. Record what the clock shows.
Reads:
12:01
